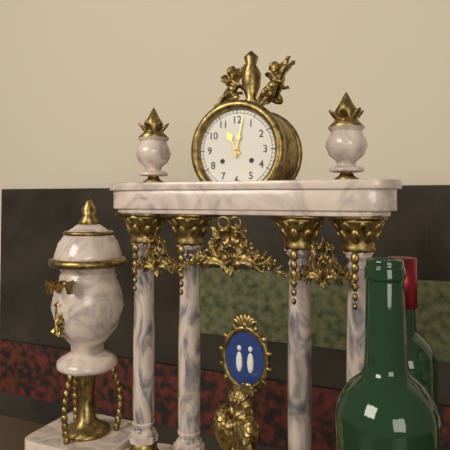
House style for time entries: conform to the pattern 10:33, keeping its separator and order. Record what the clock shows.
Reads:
11:02
